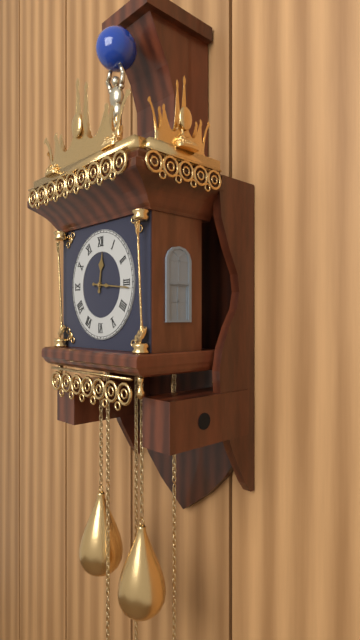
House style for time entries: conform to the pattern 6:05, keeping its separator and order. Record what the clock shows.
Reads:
12:16
